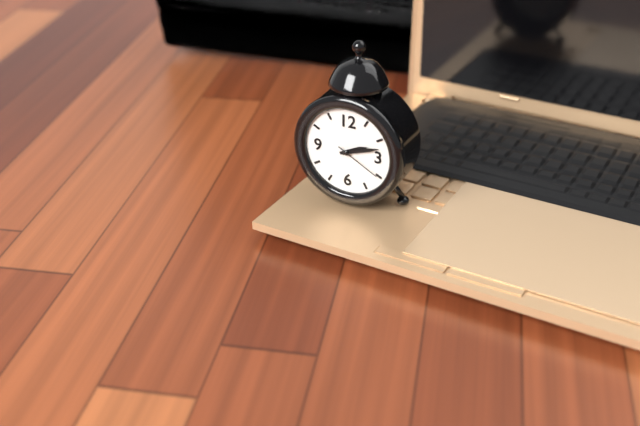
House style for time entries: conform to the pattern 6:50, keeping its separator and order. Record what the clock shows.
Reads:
2:12
